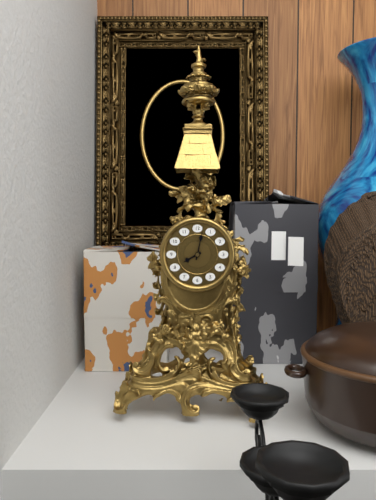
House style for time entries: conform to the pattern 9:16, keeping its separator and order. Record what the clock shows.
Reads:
8:02
